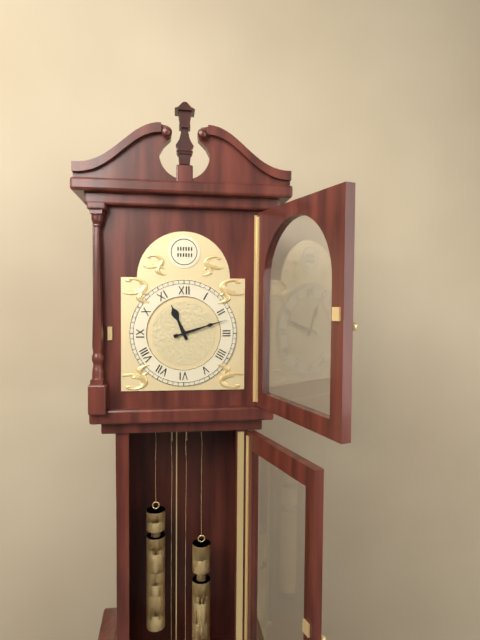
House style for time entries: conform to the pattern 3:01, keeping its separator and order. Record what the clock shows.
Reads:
11:12
